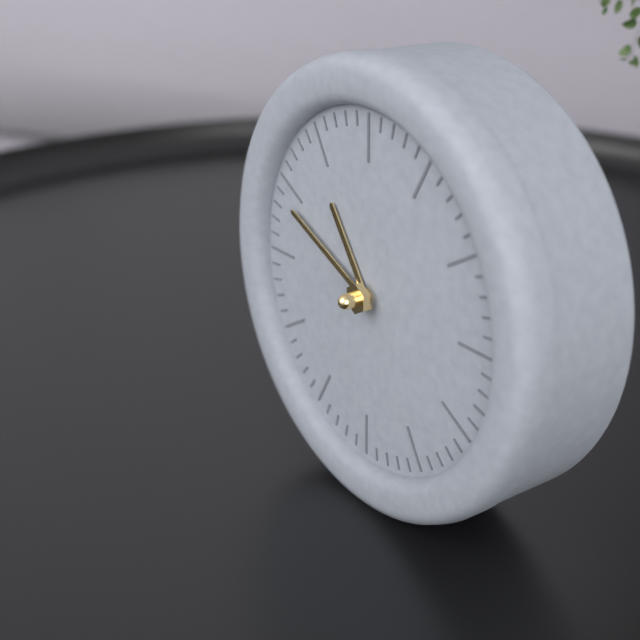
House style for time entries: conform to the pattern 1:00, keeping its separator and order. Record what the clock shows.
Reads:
10:49
